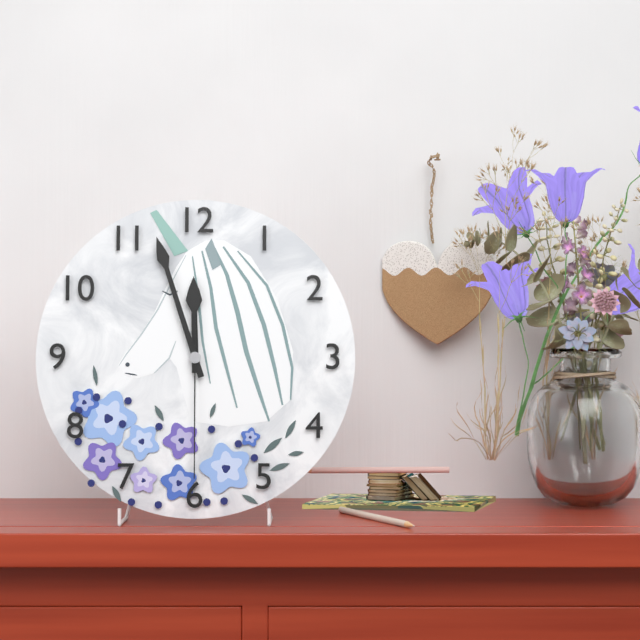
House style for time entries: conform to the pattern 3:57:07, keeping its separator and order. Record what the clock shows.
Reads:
11:57:30
